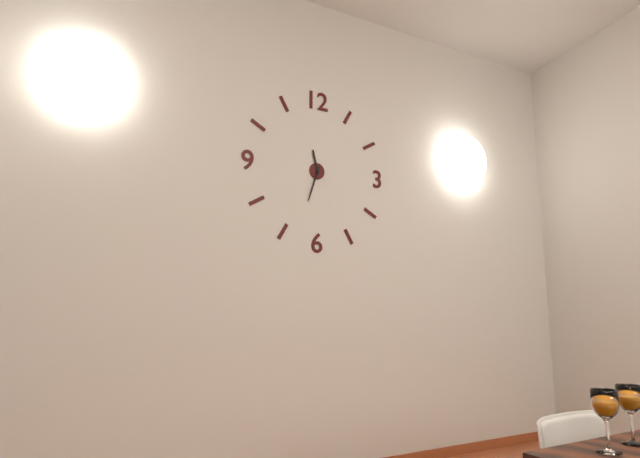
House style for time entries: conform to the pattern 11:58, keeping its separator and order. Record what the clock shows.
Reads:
11:33
